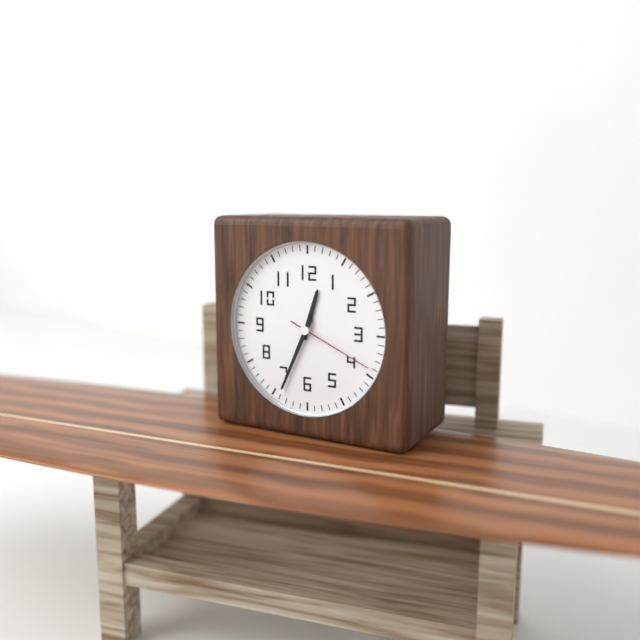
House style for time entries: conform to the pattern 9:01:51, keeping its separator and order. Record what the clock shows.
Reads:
12:34:19
